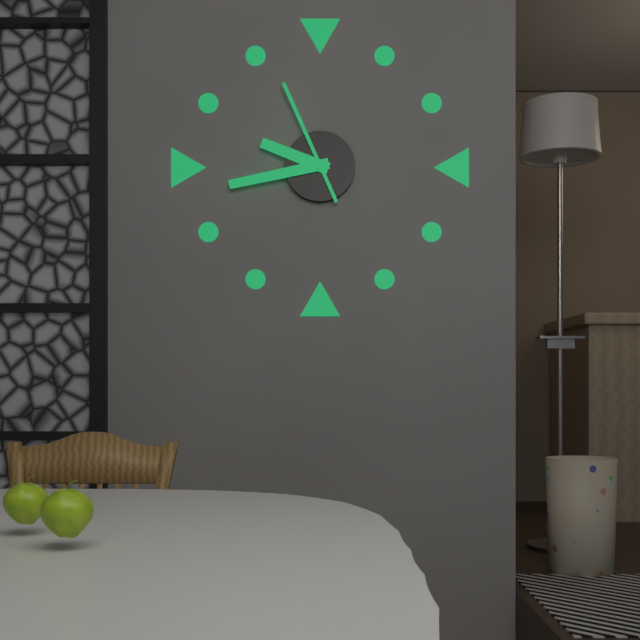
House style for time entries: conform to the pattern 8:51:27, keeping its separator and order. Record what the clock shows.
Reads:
9:43:56
